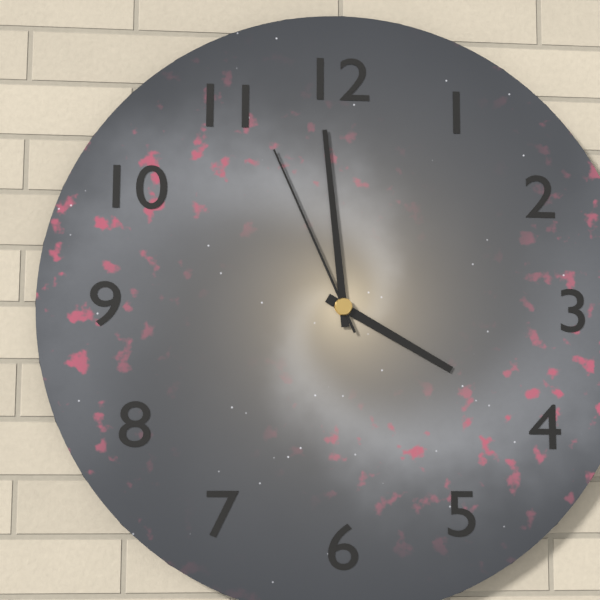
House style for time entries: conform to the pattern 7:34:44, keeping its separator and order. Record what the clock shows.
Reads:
3:59:56
